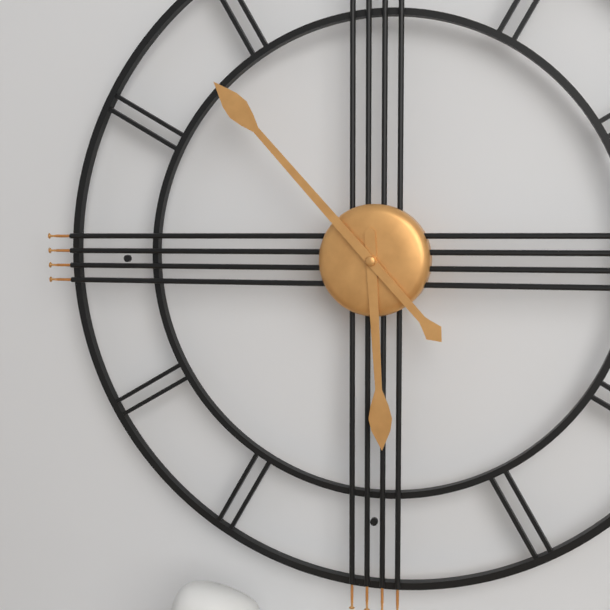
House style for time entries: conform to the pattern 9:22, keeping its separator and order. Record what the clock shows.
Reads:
5:53
